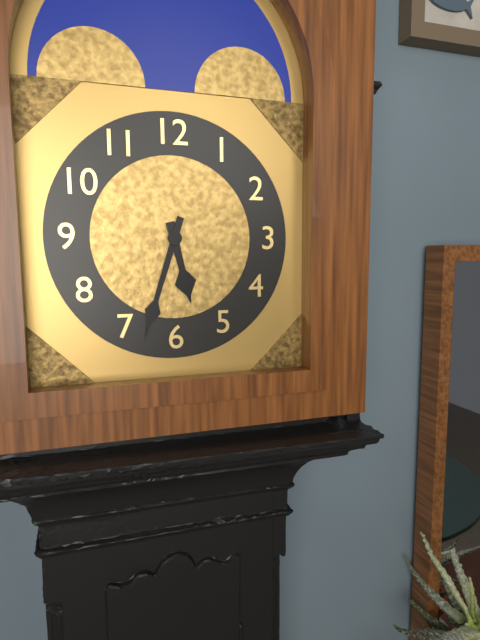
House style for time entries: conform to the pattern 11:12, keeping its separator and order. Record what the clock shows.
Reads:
5:33
